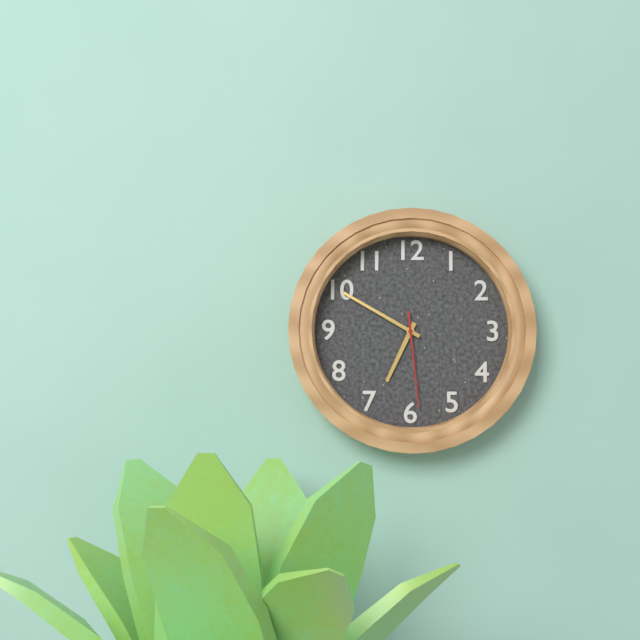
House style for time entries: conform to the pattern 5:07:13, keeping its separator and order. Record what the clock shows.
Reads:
6:50:29
